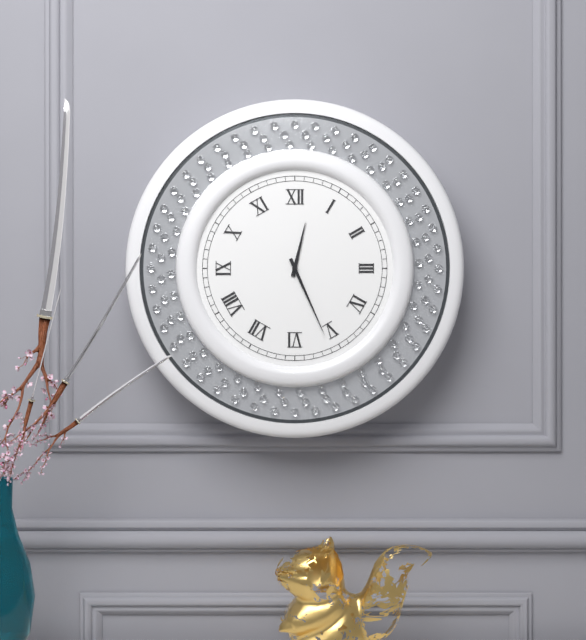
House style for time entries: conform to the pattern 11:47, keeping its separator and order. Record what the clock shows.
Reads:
12:26
